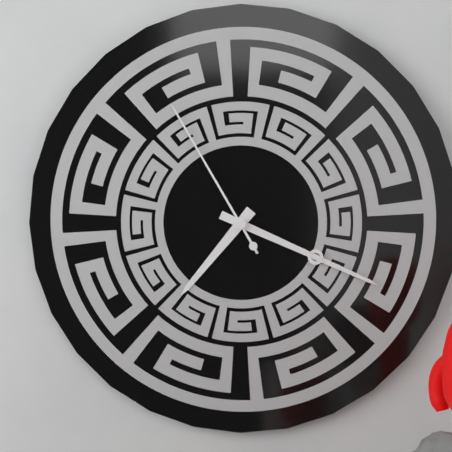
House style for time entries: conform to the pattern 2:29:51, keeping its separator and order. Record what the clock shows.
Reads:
7:19:55
